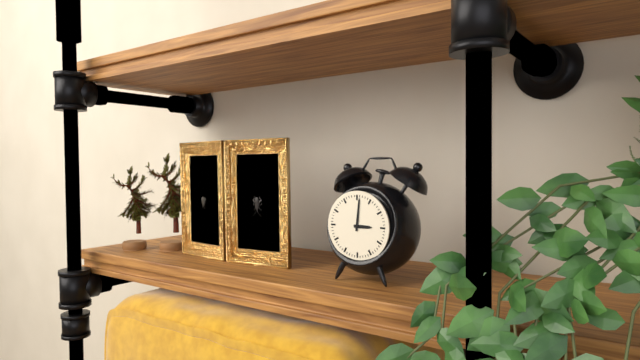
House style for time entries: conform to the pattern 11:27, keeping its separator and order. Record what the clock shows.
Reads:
3:01
